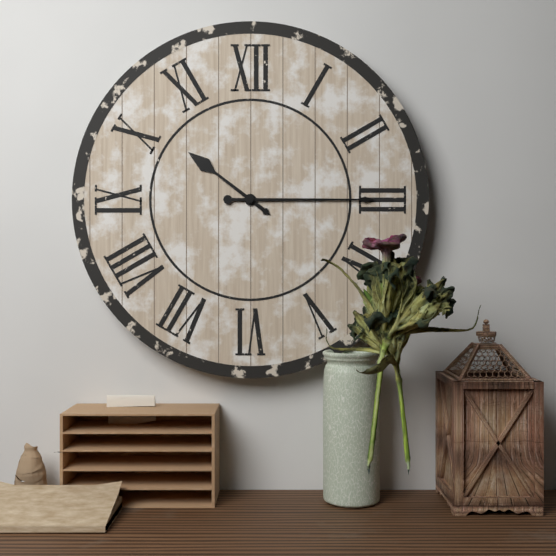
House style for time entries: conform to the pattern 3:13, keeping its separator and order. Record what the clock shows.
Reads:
10:15
